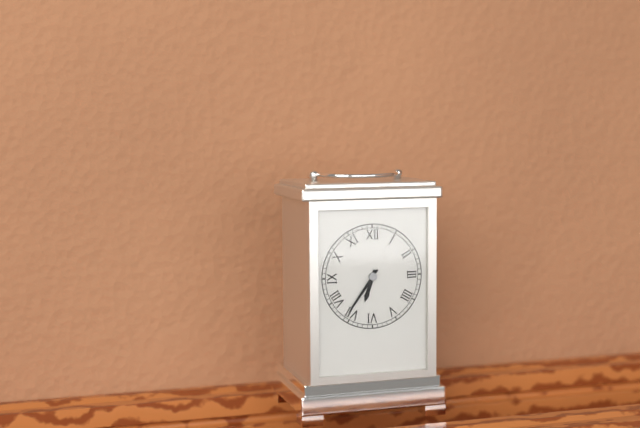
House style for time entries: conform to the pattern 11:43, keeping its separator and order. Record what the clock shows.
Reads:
6:36
